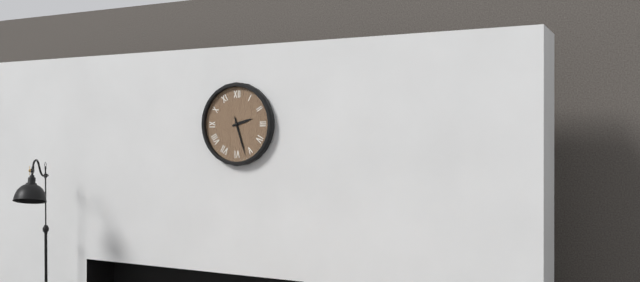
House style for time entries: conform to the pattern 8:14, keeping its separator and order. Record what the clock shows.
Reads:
2:27
